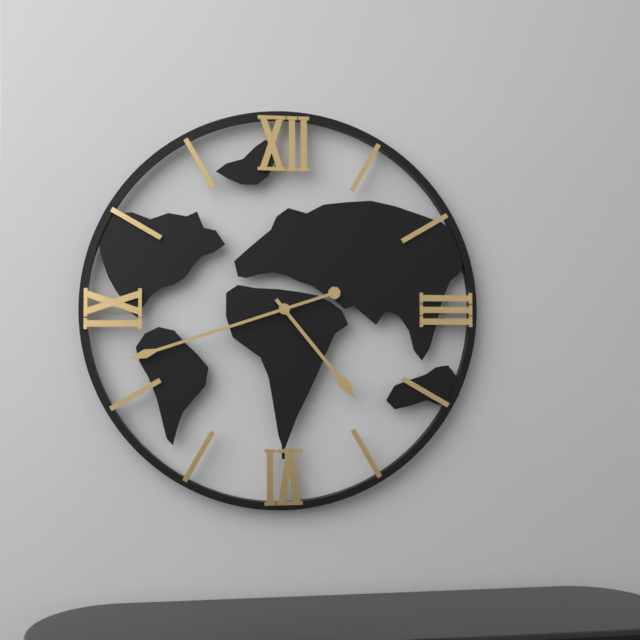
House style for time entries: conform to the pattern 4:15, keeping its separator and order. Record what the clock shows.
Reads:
4:42
